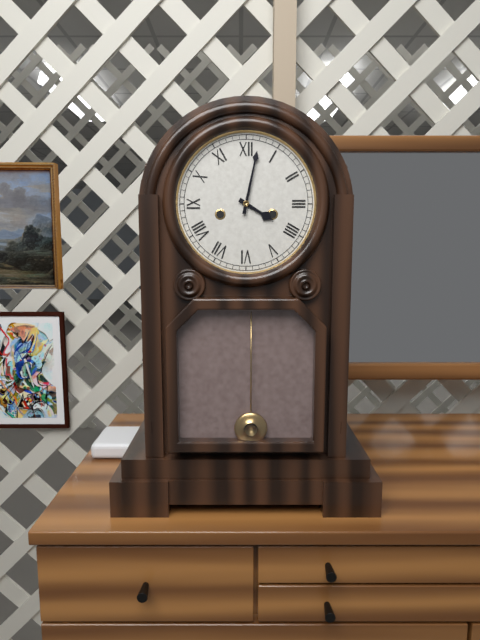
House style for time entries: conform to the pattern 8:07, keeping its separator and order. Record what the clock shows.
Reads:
4:02
